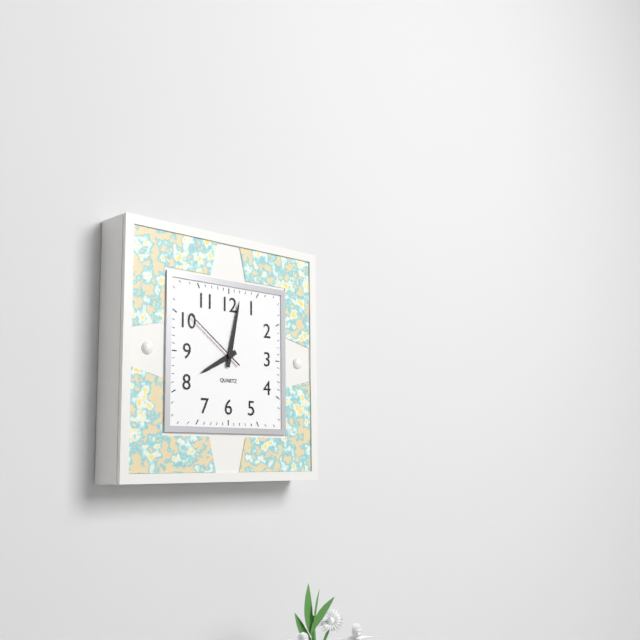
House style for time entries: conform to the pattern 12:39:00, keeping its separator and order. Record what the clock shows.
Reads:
8:02:51
